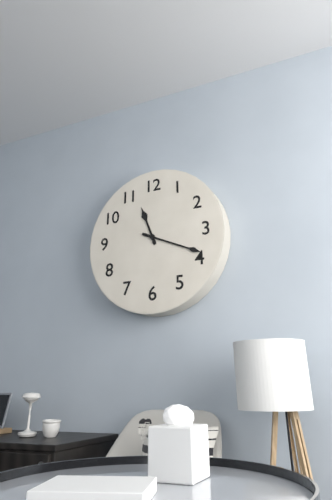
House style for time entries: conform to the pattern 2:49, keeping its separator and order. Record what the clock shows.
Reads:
11:19
